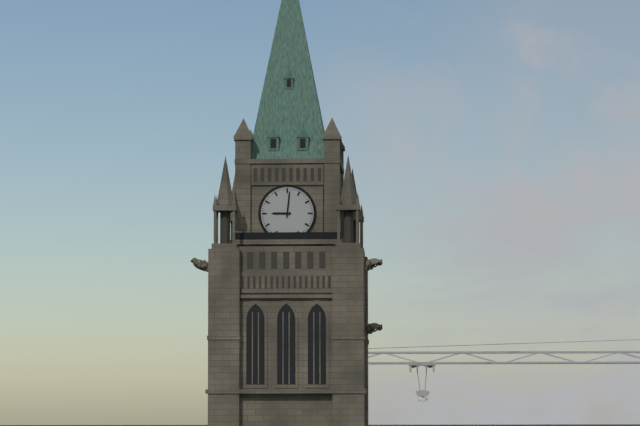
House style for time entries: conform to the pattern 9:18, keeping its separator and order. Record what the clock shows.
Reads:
9:01
